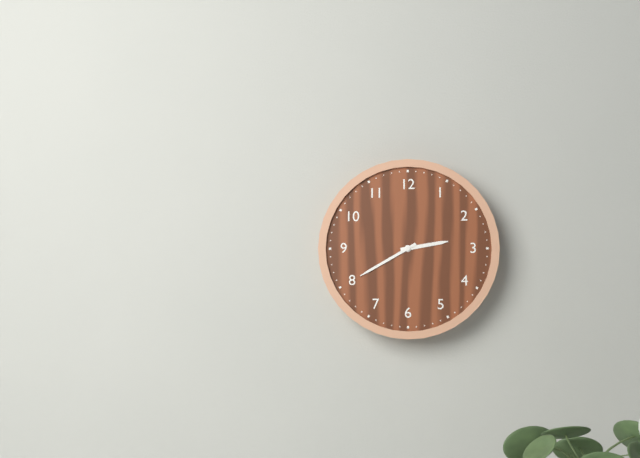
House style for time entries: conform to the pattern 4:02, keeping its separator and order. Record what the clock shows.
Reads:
2:40
